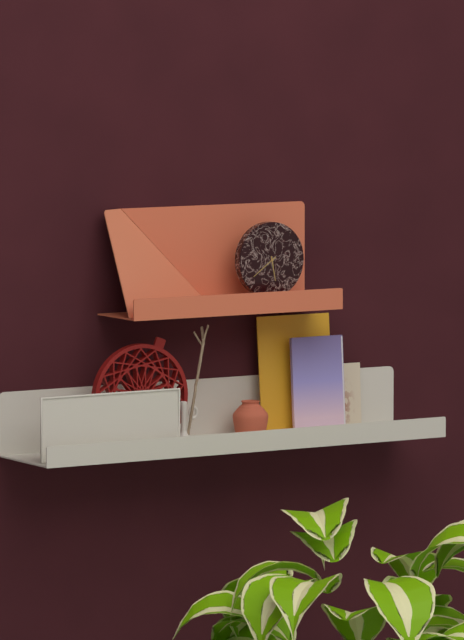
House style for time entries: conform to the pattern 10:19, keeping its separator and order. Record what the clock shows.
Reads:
5:39
